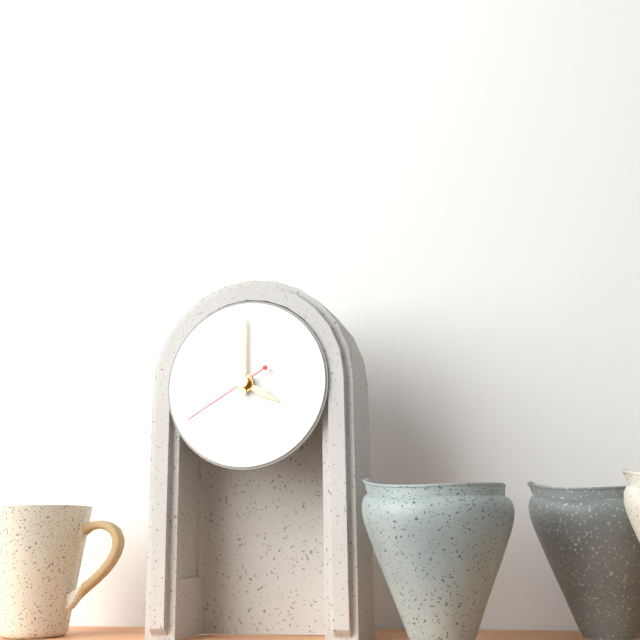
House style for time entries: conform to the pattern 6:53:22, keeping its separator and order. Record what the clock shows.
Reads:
4:00:40
